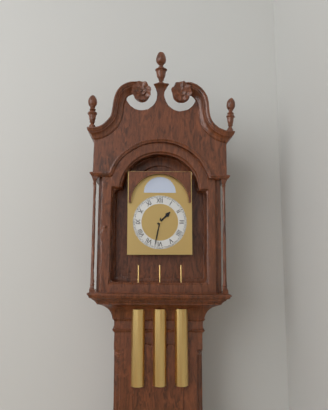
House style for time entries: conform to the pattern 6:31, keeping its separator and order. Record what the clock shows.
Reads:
1:32
